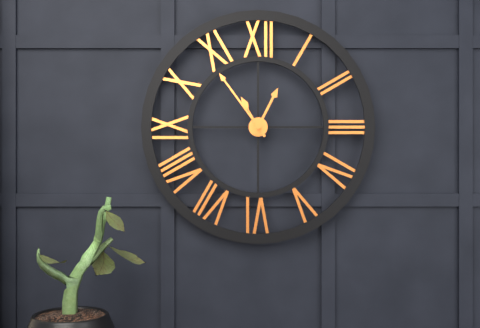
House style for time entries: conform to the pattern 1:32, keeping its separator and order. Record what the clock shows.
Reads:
12:54
